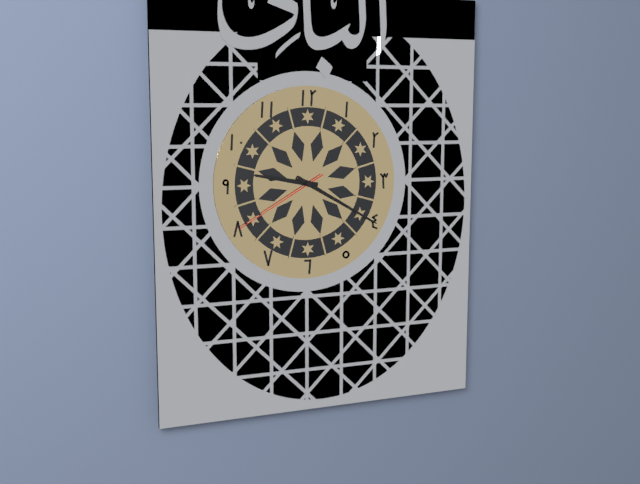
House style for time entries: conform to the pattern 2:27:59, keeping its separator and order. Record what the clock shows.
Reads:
9:20:40
